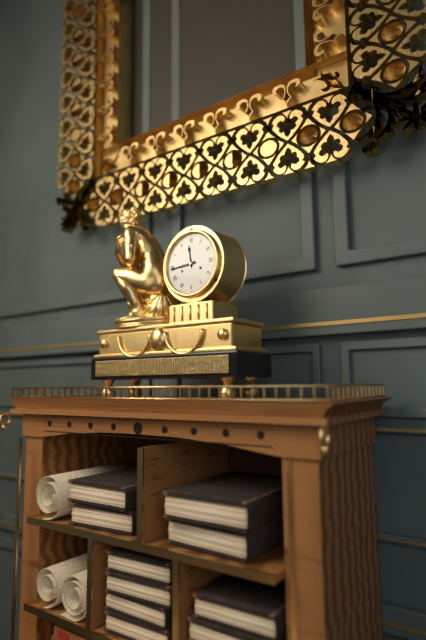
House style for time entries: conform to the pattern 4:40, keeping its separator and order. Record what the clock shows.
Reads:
11:44
